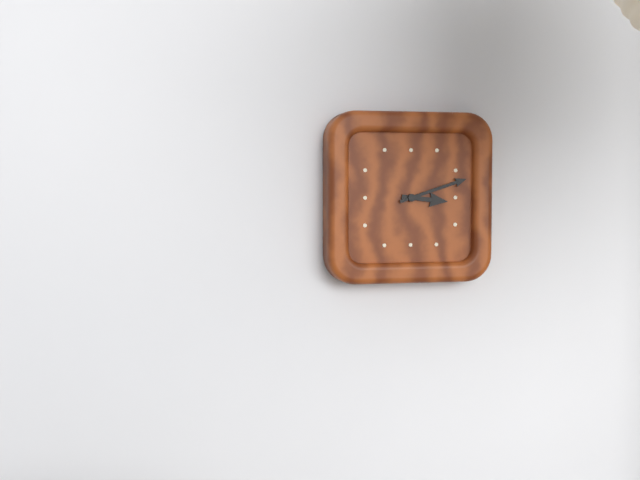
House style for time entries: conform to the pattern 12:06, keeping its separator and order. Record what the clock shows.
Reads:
3:12
